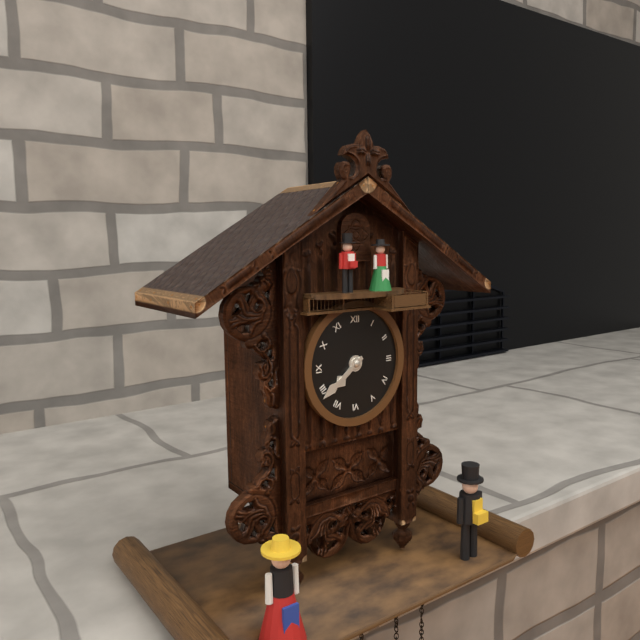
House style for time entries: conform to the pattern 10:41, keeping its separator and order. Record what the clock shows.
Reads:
7:39
